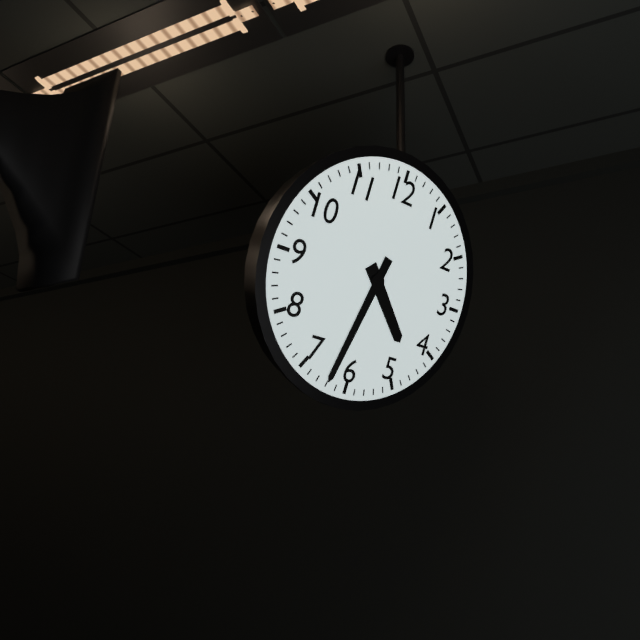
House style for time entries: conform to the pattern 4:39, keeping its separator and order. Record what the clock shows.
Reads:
4:32
